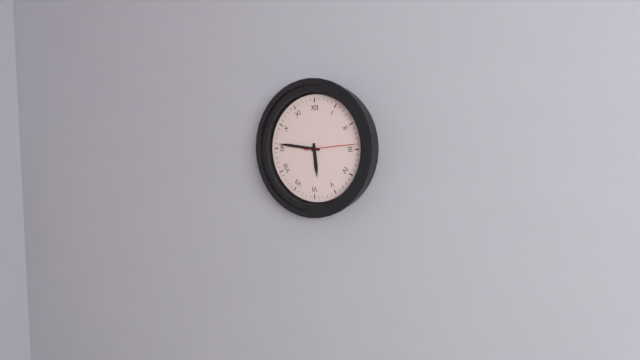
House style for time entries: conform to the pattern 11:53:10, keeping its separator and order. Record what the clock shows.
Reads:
5:46:14
